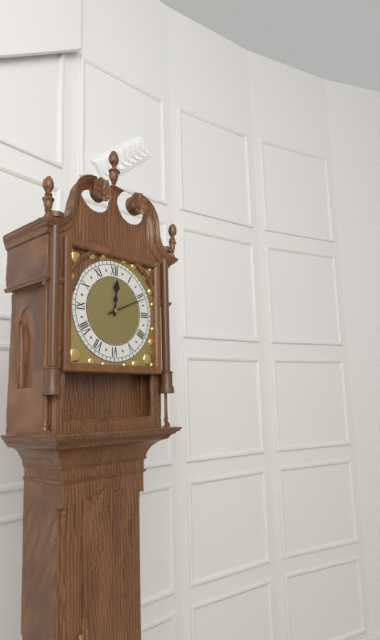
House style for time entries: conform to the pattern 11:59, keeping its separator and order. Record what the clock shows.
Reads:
12:11
